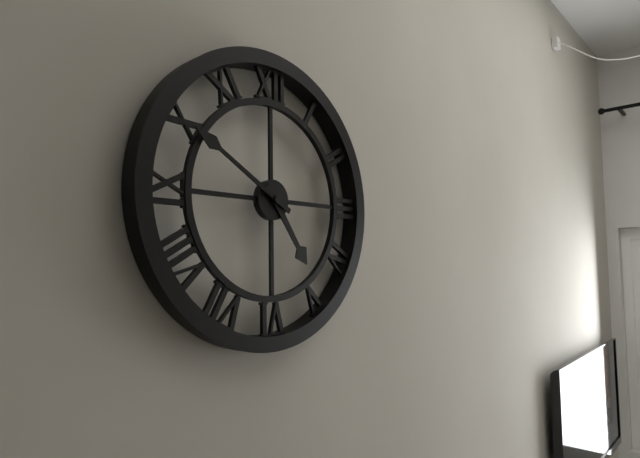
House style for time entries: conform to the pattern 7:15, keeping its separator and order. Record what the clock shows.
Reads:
4:50
